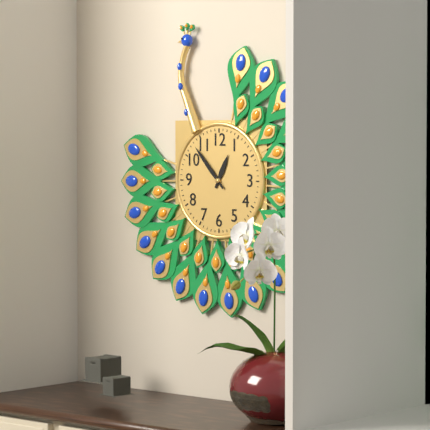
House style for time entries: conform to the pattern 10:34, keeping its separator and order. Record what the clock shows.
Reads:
12:53
